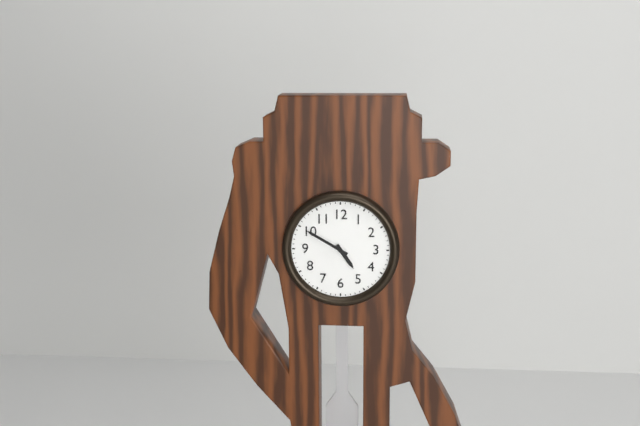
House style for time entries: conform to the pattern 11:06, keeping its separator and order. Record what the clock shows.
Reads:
4:50
